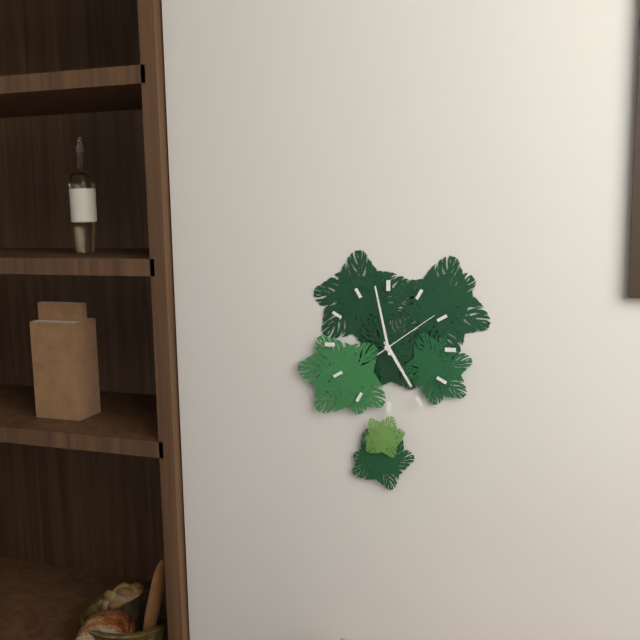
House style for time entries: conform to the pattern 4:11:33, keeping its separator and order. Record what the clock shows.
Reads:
4:58:09
